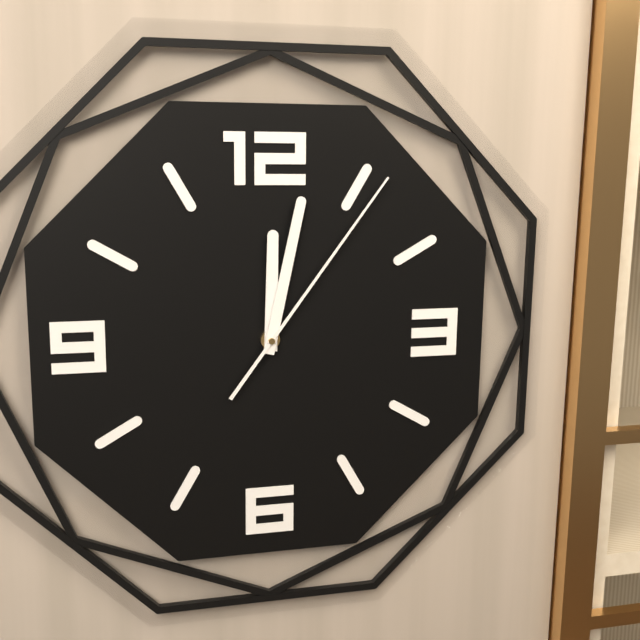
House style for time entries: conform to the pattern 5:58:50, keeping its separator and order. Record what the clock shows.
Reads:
12:02:06
